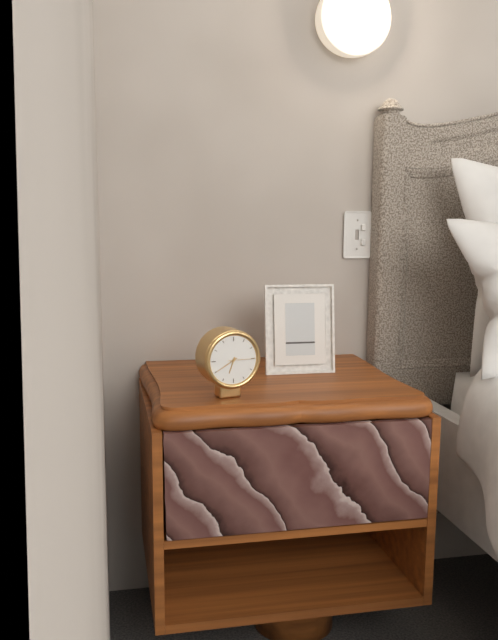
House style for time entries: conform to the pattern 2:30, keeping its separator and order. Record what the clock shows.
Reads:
6:40
